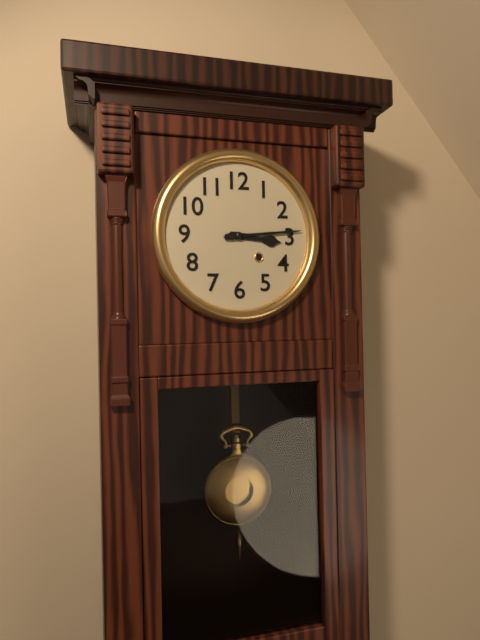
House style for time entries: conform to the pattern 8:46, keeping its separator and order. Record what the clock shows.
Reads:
3:14
